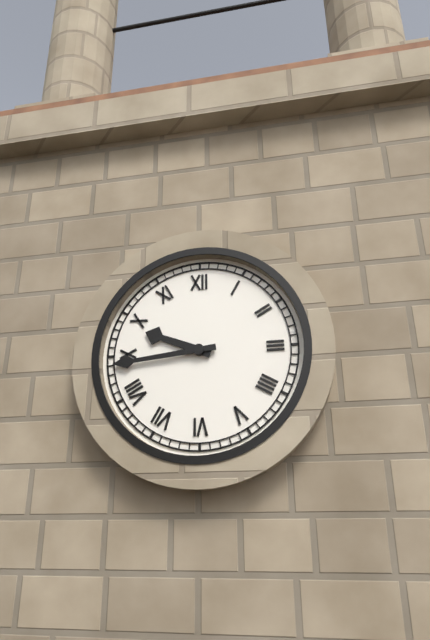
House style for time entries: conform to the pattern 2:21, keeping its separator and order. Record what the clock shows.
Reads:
9:44
